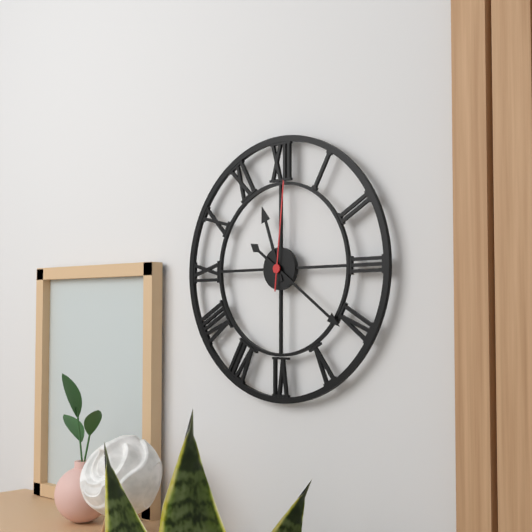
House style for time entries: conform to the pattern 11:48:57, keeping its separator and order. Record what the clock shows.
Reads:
11:21:01
